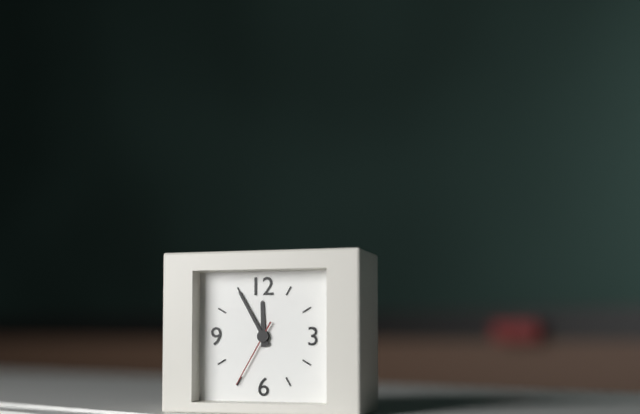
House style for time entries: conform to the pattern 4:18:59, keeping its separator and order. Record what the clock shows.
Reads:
11:55:35
